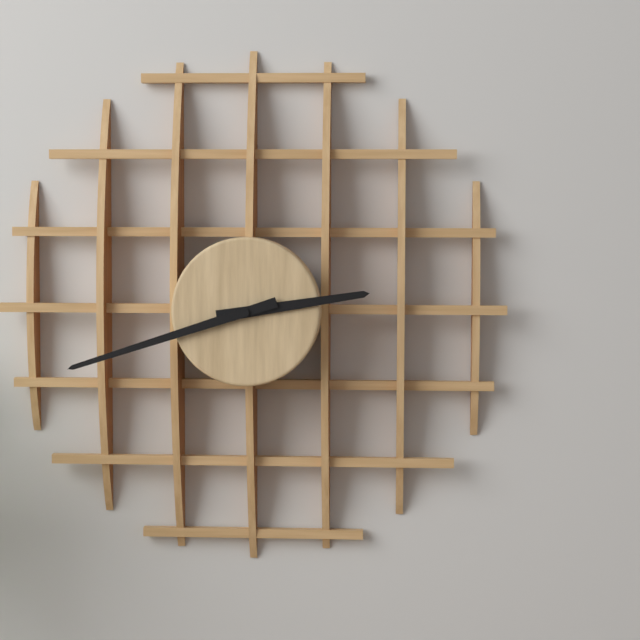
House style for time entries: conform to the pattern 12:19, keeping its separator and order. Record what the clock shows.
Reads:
2:42
